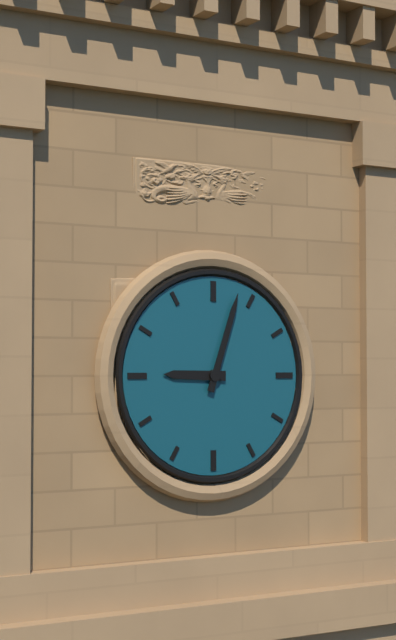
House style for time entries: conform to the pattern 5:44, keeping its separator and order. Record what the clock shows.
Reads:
9:03
